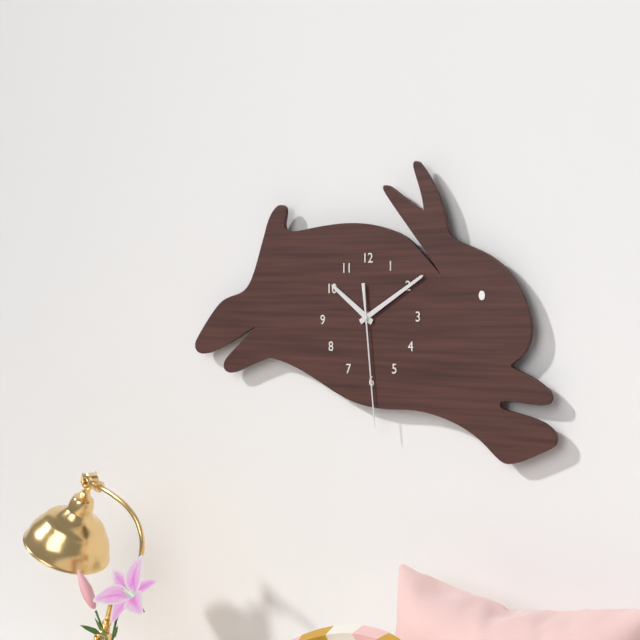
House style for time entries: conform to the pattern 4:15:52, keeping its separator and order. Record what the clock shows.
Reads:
10:10:29
